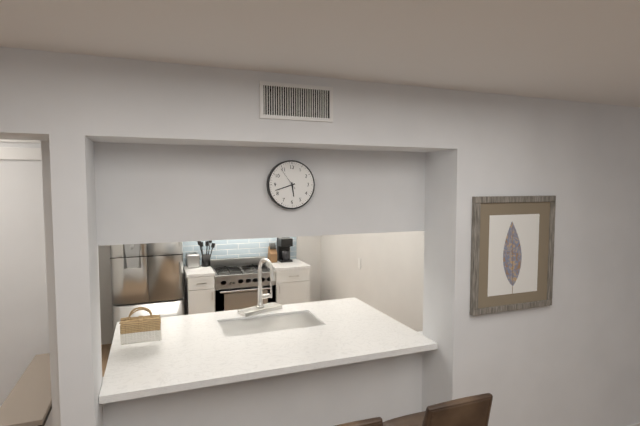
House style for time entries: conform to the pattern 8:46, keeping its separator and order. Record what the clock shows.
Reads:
5:42
